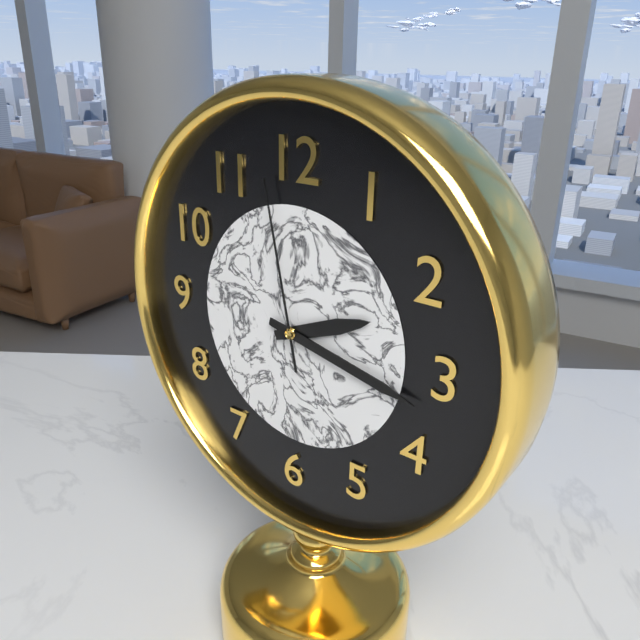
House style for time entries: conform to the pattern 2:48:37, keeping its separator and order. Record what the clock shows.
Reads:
2:17:58
